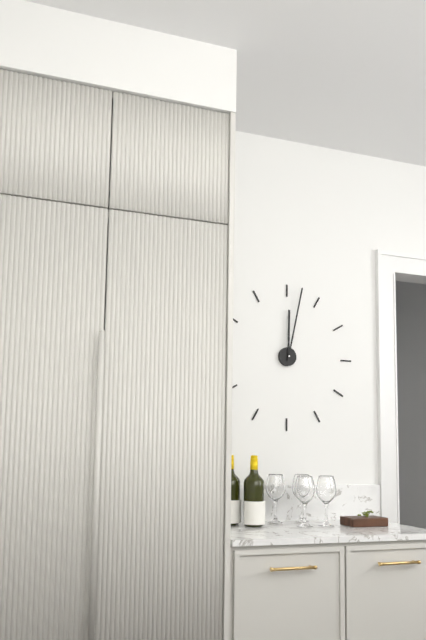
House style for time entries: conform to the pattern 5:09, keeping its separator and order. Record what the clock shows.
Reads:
12:02
